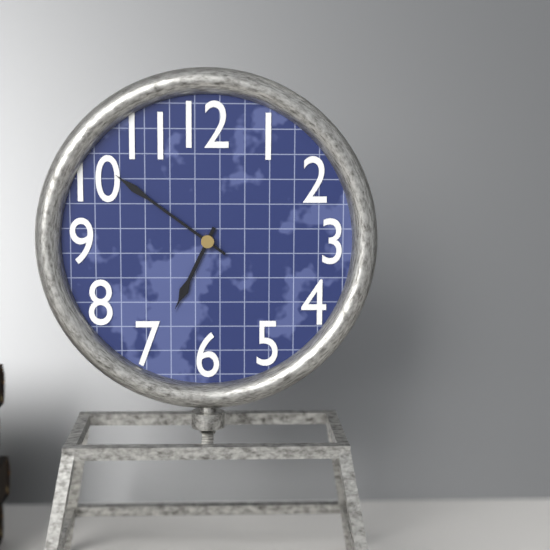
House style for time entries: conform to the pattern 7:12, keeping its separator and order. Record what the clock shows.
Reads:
6:51
